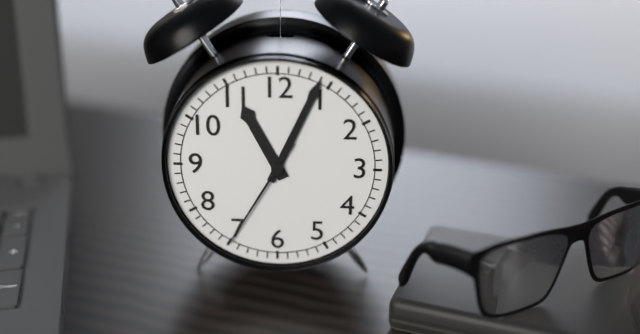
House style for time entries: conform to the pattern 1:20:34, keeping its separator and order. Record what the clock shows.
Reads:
11:04:35
